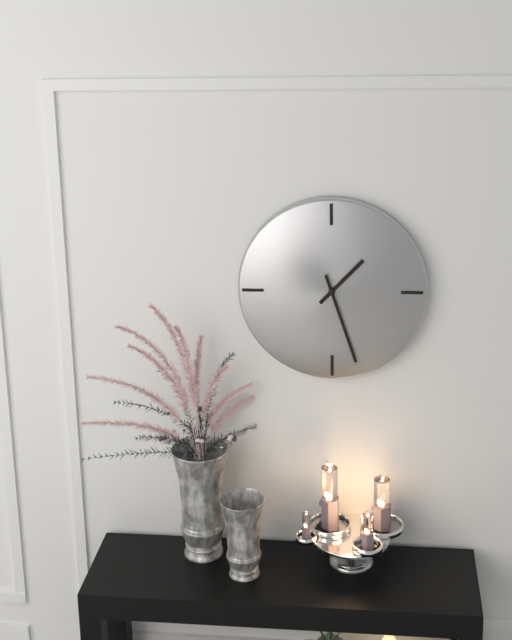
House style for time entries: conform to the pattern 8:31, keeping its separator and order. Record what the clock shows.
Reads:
1:27
